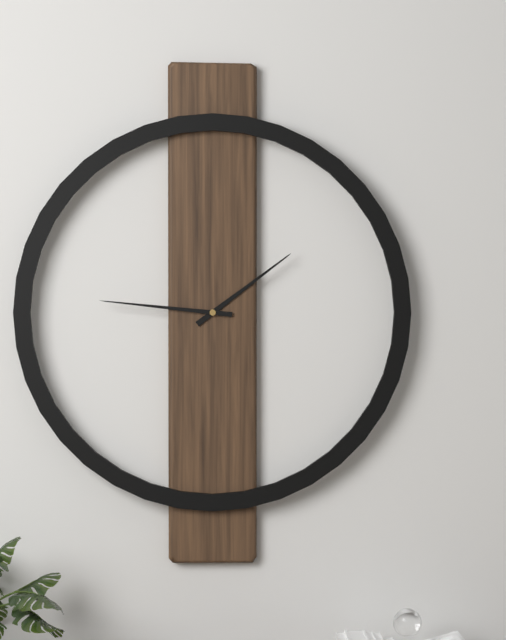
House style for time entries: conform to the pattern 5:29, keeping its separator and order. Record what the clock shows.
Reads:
1:46
